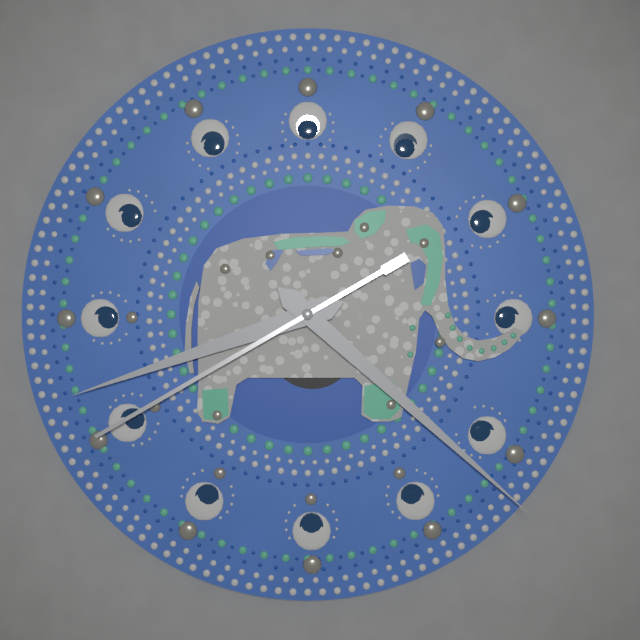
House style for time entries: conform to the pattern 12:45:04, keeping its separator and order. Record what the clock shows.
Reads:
8:22:40
